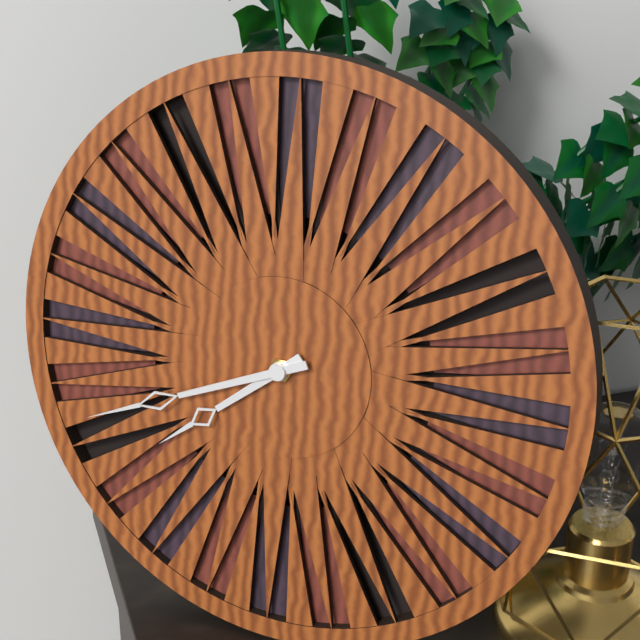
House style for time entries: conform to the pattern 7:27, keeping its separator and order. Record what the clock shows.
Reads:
7:41
